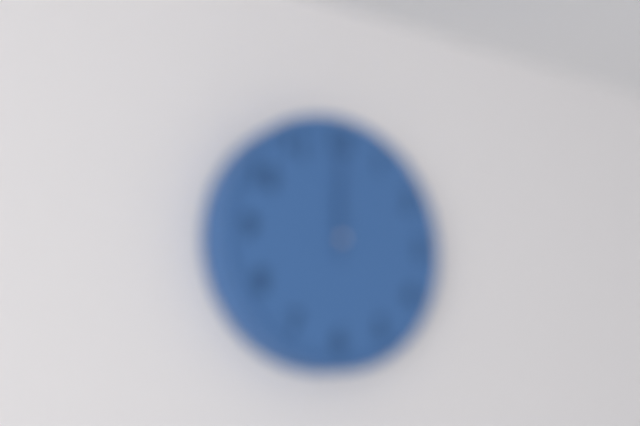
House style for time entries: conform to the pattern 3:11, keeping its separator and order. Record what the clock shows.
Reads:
12:00
